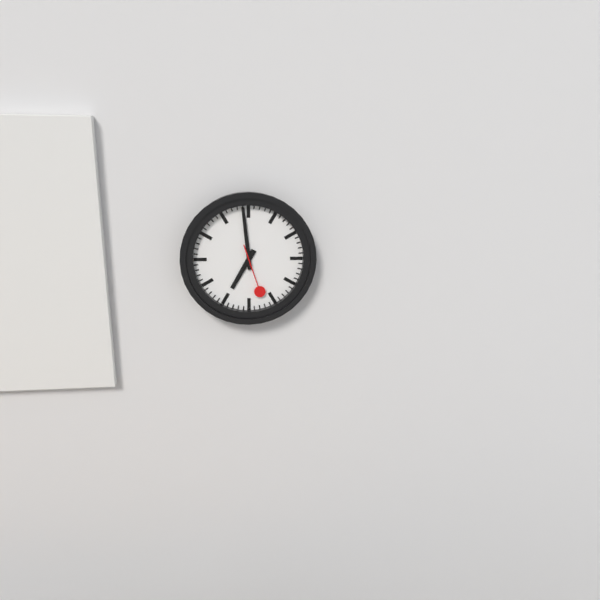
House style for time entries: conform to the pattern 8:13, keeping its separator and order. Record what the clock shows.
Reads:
6:59
